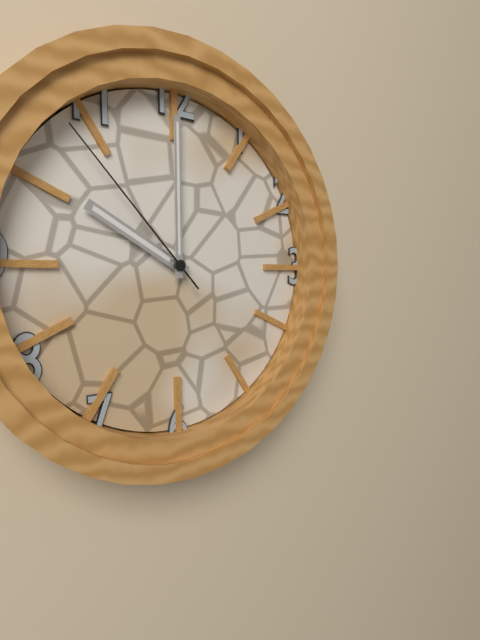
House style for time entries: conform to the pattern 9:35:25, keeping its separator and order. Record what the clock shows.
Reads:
10:00:53
